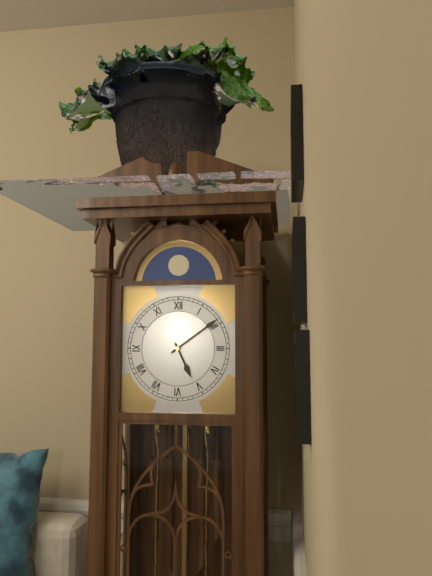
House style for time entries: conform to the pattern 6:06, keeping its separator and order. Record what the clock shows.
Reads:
5:09
